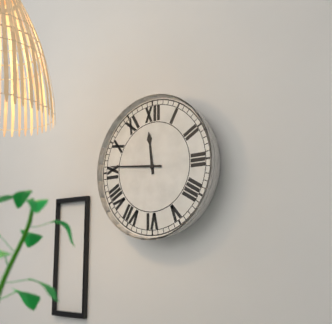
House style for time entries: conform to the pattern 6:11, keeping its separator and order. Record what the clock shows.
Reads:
11:46
